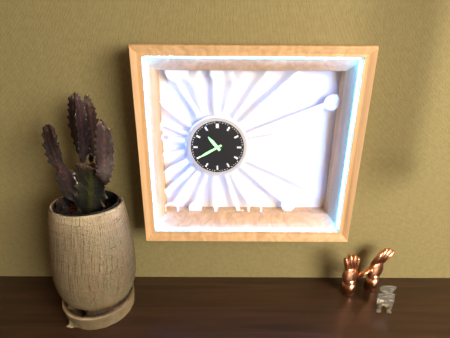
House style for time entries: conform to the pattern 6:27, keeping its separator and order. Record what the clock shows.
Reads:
10:40
